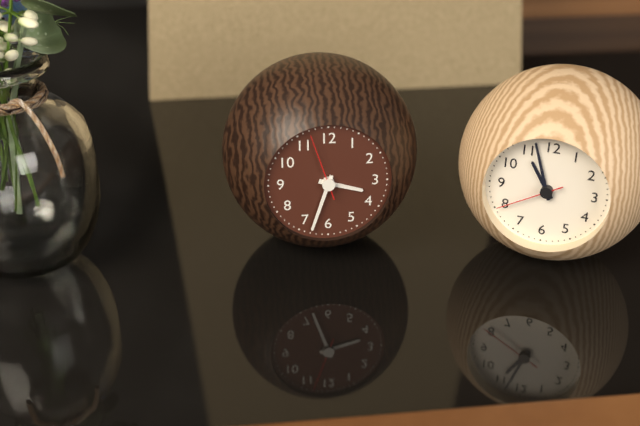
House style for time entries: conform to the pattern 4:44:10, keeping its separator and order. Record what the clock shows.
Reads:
3:33:57
